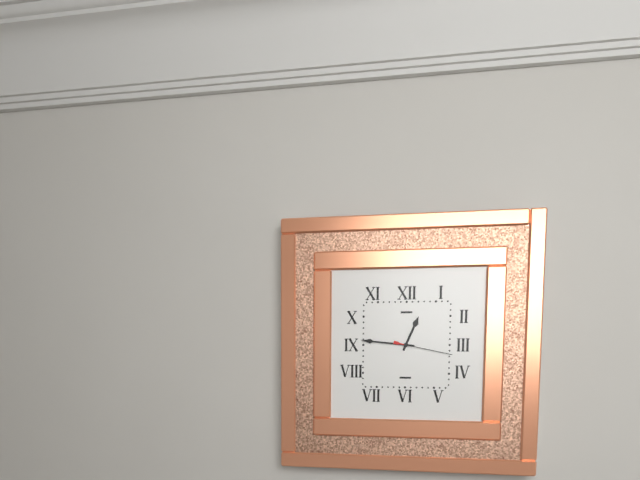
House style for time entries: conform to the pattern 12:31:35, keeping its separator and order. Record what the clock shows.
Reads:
12:46:17
